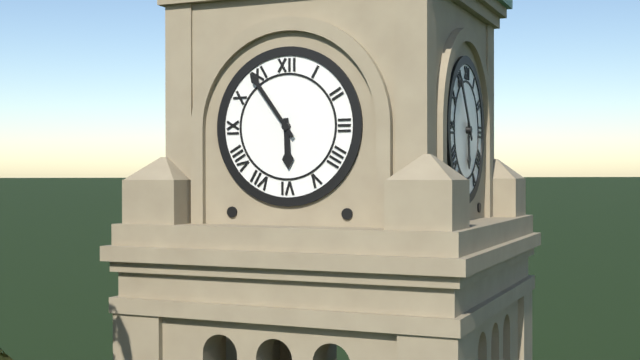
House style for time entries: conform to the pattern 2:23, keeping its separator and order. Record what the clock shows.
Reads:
5:54
